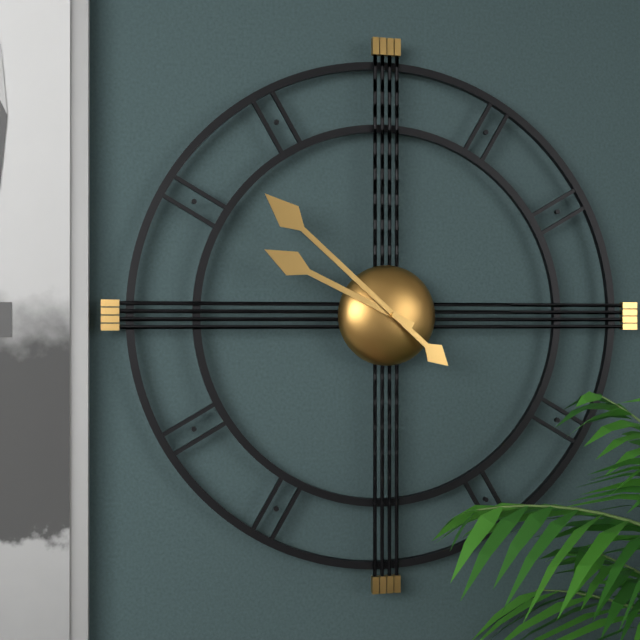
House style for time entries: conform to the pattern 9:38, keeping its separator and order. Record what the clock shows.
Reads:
9:52
